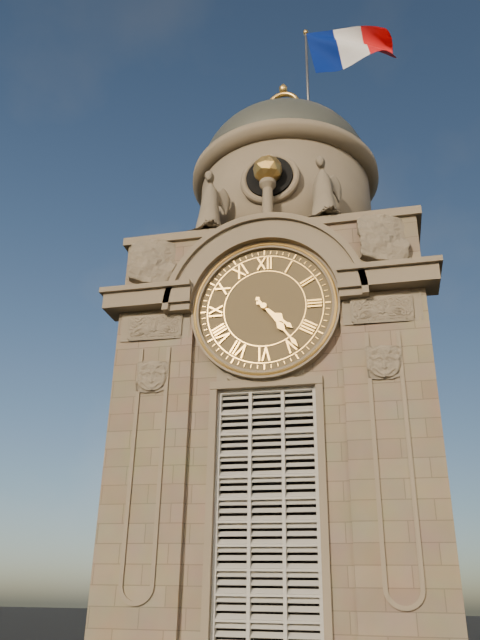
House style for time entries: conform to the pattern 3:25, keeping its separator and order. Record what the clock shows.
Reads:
4:24
